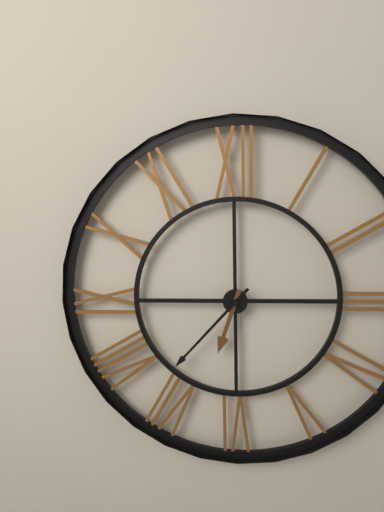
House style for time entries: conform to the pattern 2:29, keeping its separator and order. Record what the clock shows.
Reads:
6:37
